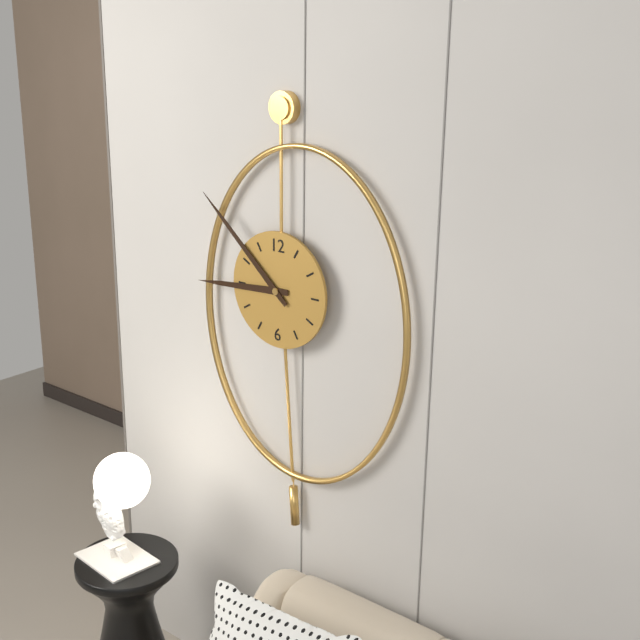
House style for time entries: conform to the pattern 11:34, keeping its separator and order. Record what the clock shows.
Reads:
8:52
